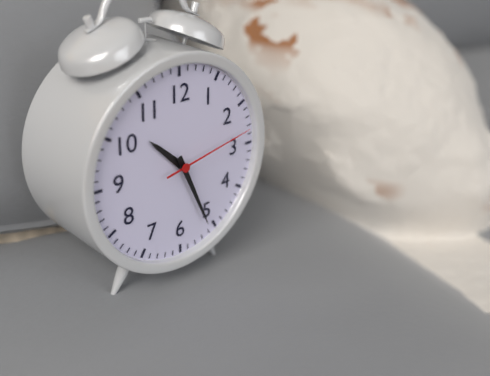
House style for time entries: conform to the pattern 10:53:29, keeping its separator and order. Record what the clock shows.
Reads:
10:26:13
